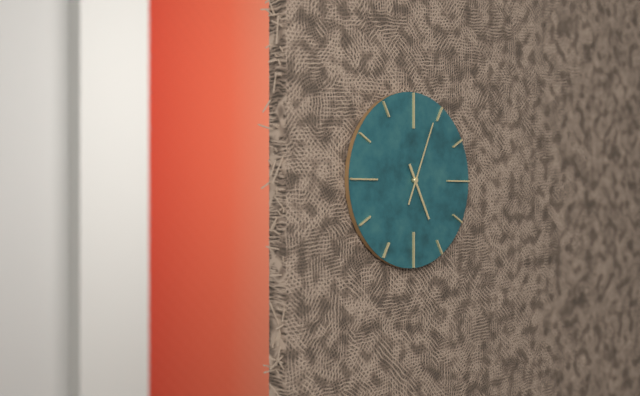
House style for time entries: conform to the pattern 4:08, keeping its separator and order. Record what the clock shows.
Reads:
5:04
